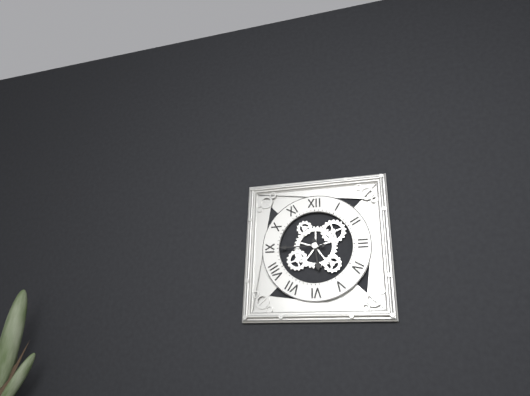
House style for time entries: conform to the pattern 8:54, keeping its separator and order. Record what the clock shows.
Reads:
5:45
